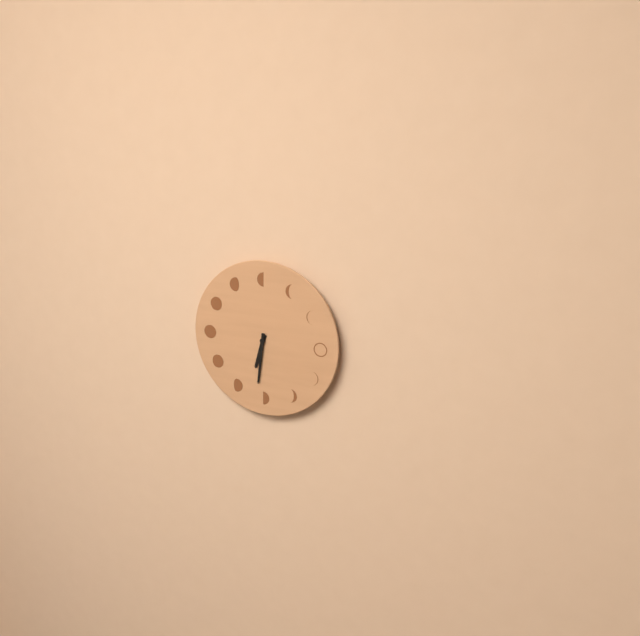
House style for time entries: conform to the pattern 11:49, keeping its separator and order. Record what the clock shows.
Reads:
6:31
